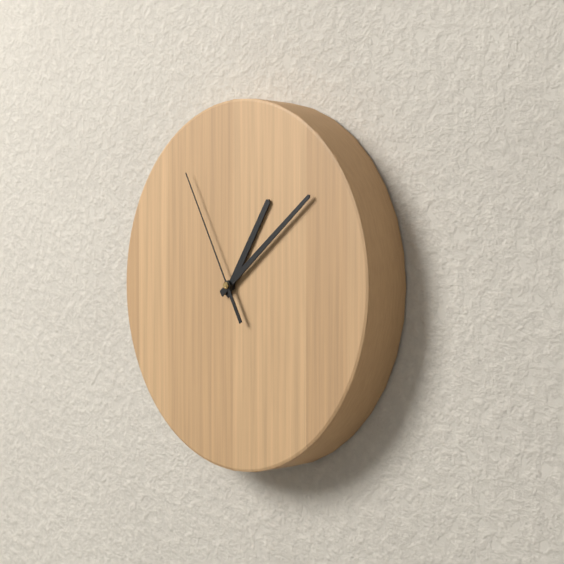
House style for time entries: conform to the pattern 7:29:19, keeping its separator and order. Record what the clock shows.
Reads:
1:09:55
